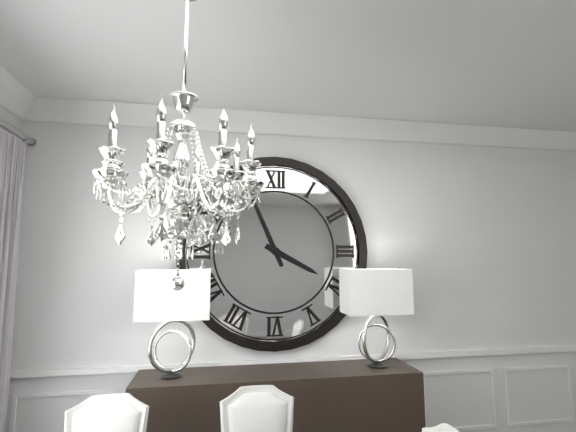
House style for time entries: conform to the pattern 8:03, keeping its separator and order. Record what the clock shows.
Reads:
3:56
